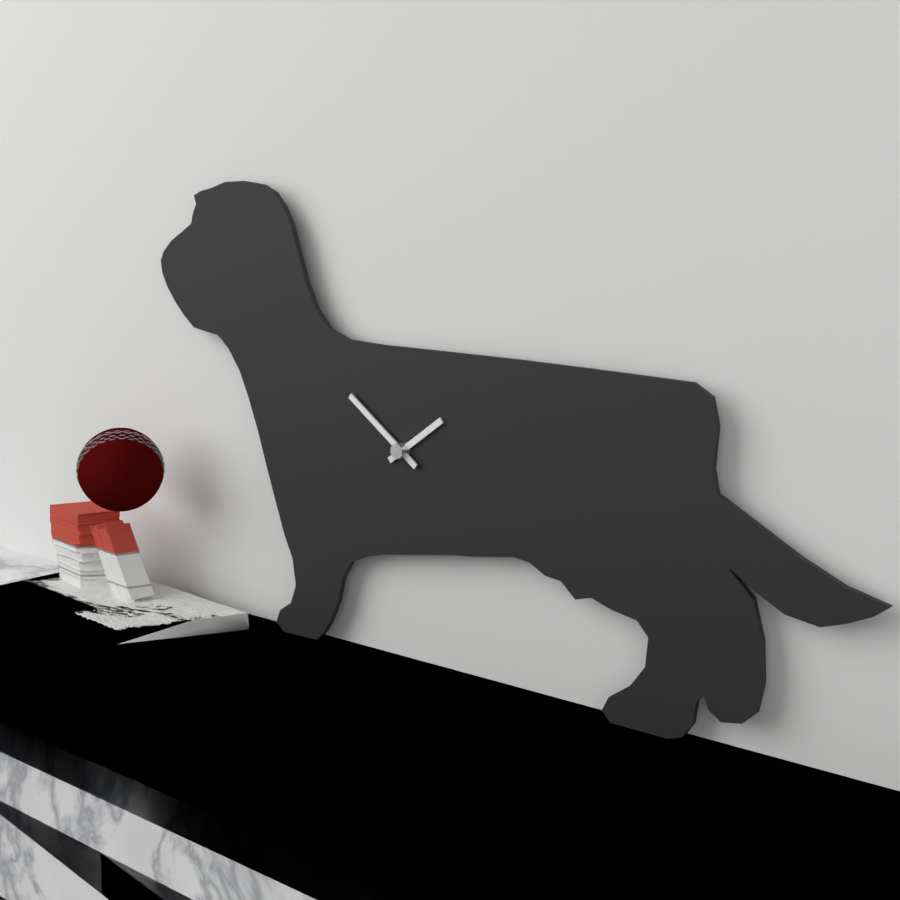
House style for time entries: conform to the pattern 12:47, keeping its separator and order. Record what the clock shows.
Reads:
1:51
